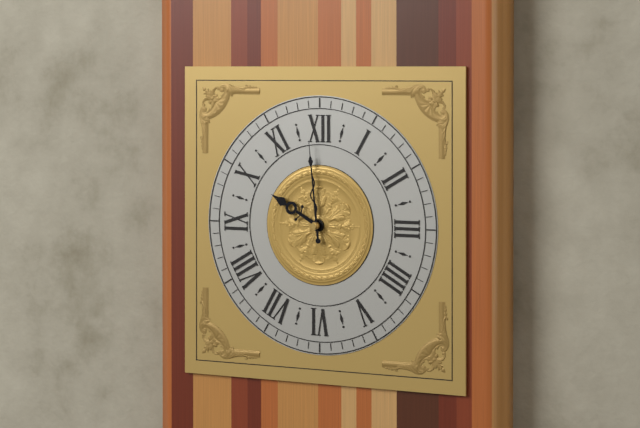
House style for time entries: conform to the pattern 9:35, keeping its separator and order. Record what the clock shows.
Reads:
9:59
